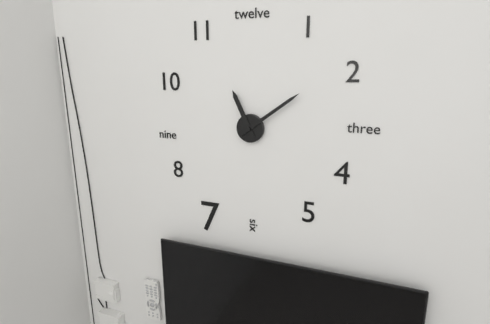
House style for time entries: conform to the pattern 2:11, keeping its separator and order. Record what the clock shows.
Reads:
11:09
